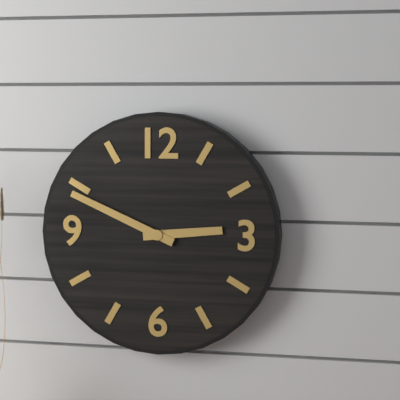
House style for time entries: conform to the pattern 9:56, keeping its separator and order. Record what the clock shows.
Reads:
2:49
